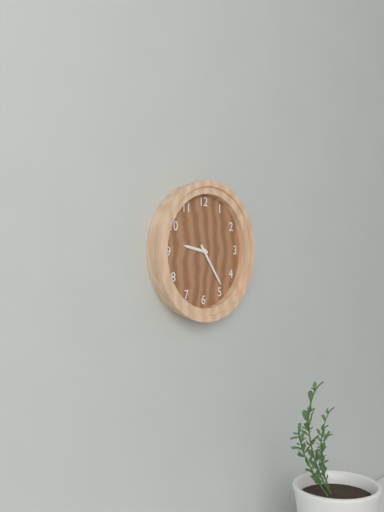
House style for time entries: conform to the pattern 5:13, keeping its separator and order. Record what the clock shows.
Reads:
9:24
